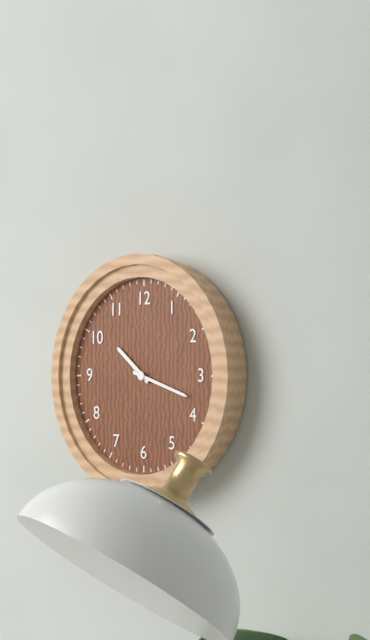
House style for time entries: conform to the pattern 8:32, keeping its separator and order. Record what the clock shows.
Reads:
10:18
